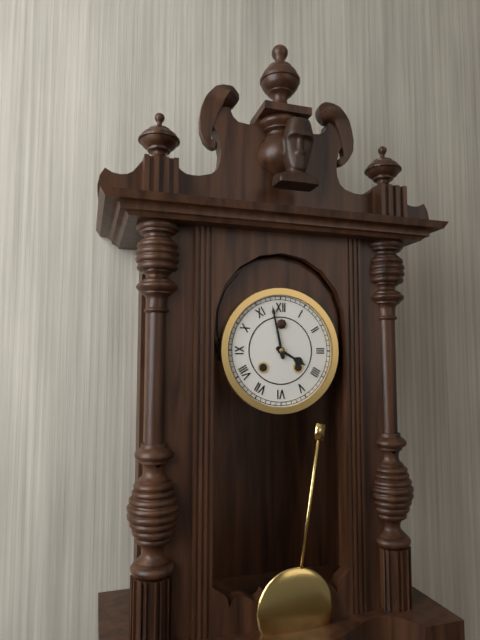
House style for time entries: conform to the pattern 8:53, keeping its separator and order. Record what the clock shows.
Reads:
3:58
